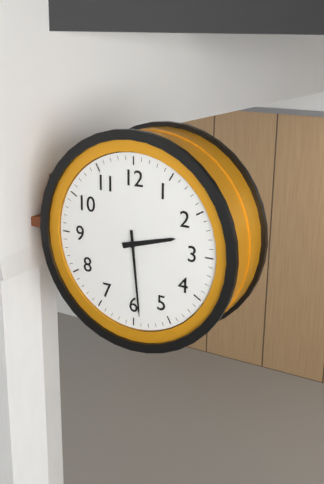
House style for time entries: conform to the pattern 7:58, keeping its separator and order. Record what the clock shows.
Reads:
2:29
